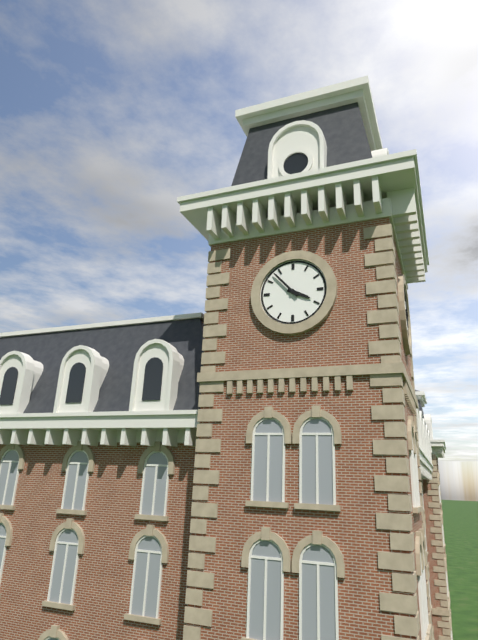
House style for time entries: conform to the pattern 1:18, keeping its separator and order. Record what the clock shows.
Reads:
3:53
